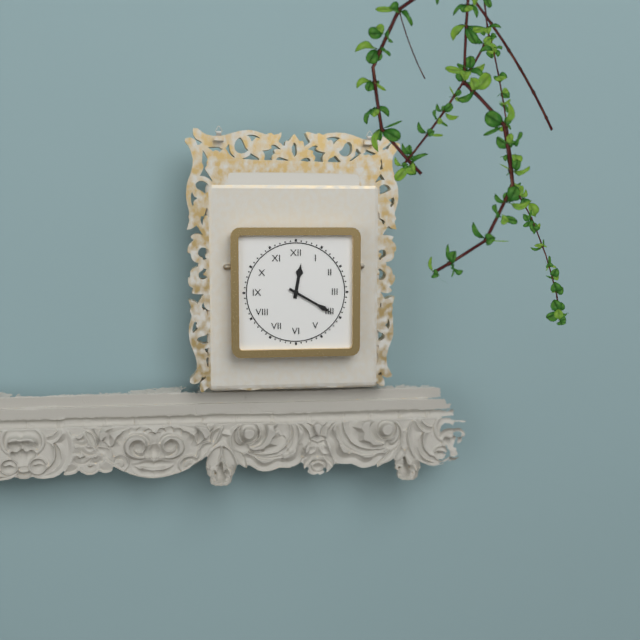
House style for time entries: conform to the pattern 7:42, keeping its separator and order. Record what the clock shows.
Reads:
12:20
